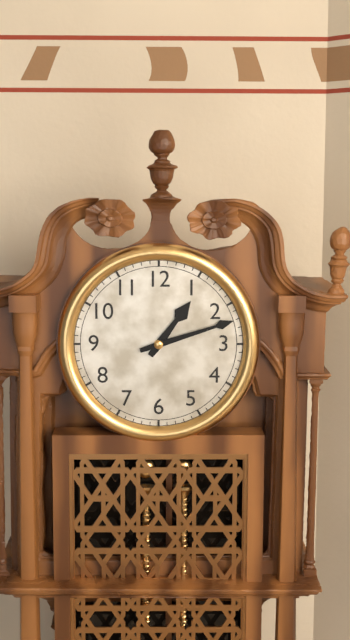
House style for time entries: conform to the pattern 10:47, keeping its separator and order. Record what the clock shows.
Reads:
1:12
